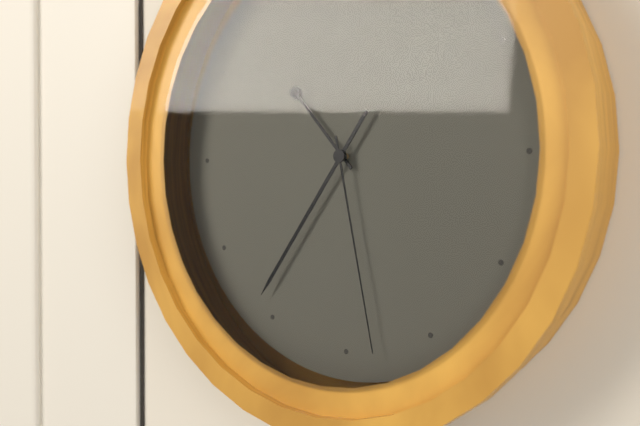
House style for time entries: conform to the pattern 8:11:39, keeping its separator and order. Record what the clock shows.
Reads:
10:36:28
